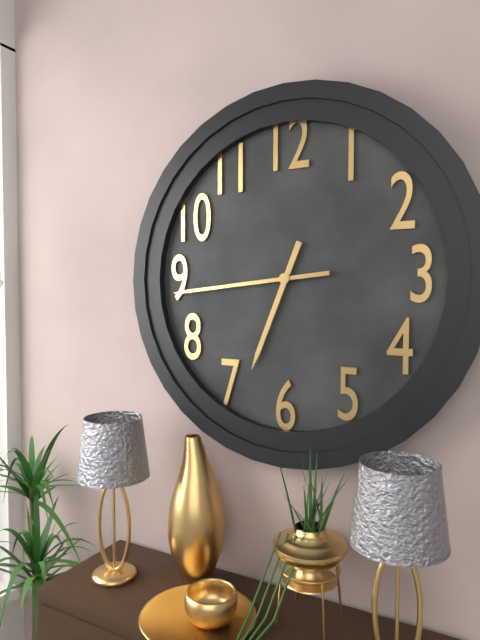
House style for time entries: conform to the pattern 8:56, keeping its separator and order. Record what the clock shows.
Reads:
6:44
